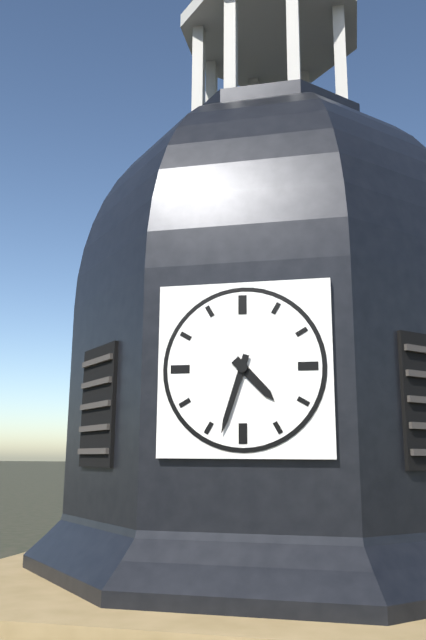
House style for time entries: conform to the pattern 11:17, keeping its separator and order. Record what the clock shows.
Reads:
4:33
